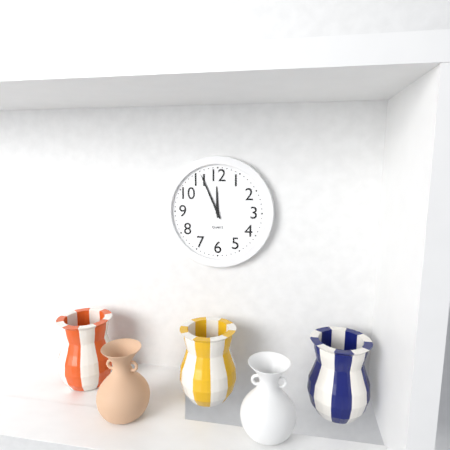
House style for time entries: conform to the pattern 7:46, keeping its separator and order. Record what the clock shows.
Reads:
11:56
